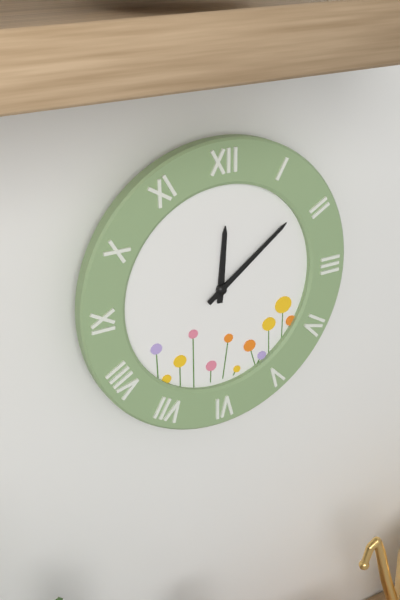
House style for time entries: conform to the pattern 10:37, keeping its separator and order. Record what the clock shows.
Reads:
12:09
